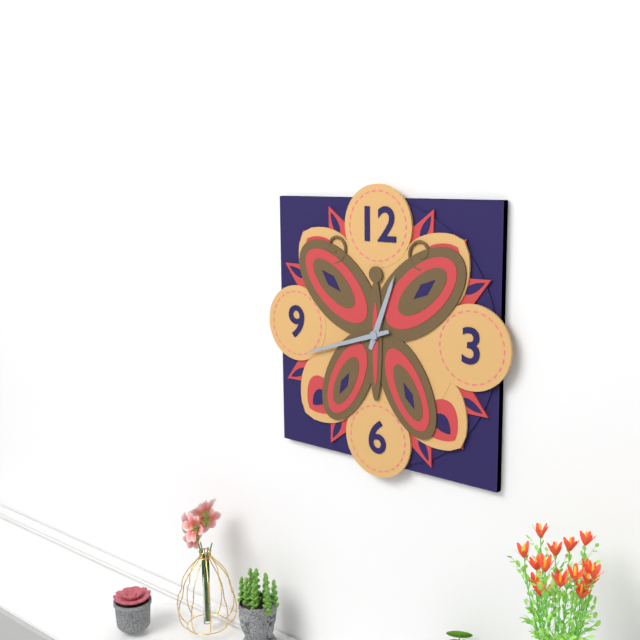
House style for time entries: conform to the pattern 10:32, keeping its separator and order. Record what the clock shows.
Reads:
12:42
